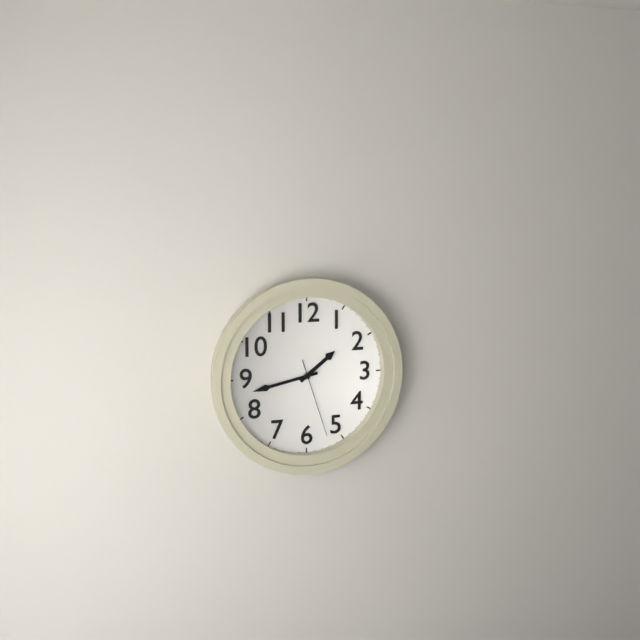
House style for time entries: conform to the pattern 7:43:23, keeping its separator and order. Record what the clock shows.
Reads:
1:43:27
